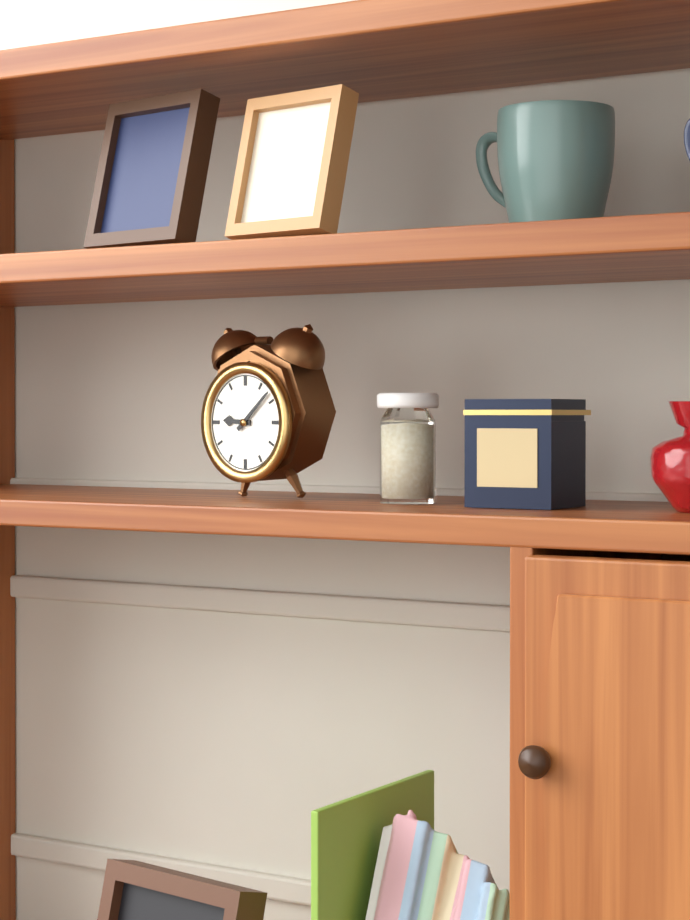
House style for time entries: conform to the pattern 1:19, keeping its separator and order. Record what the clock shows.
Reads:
9:08
